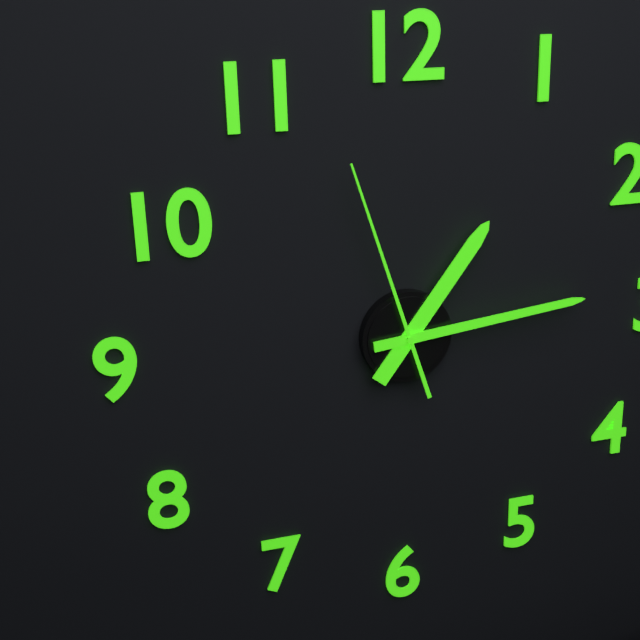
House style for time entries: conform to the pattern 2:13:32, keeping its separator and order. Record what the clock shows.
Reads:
1:14:57
